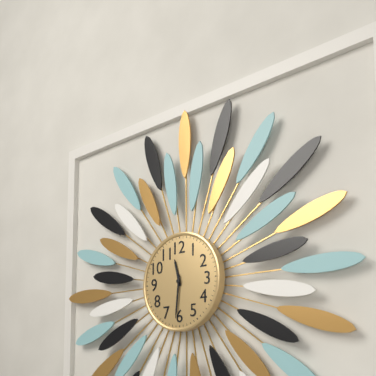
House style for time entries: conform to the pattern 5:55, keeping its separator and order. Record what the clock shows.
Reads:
11:31
